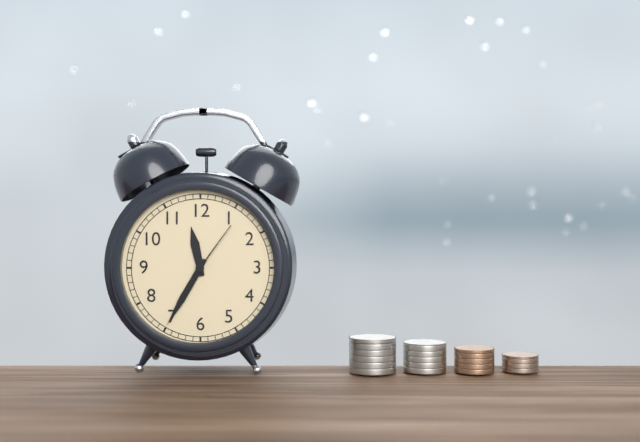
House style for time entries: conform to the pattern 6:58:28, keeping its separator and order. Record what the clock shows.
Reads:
11:35:06
